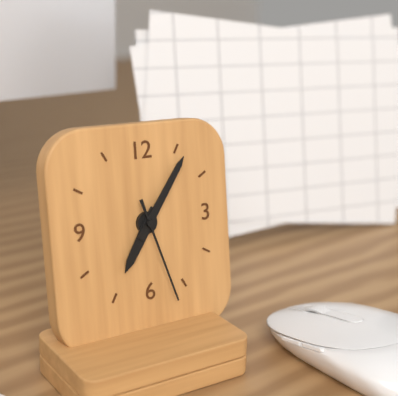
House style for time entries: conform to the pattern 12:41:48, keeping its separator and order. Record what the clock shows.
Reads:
7:06:27
